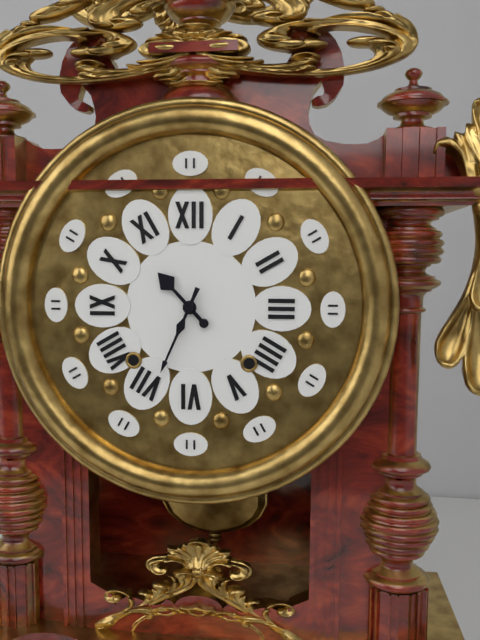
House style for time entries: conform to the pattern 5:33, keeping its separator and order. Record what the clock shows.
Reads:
10:34
